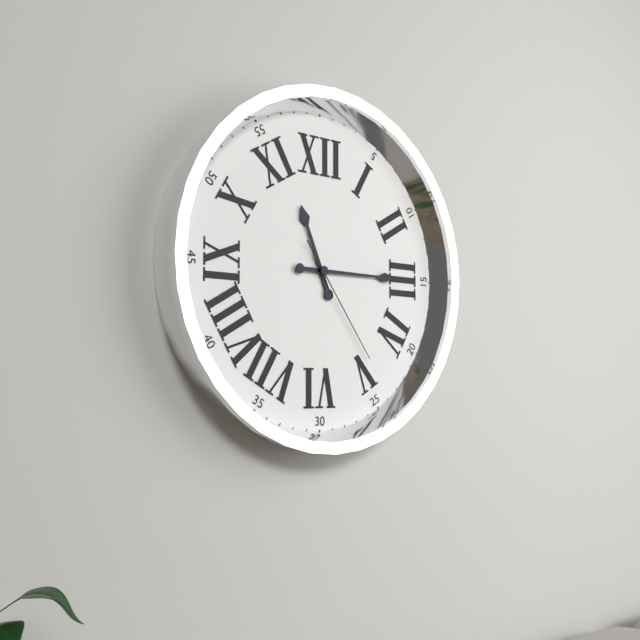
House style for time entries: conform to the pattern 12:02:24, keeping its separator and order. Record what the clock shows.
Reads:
11:15:24
